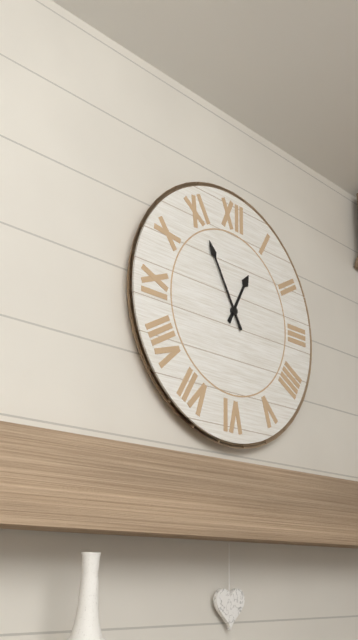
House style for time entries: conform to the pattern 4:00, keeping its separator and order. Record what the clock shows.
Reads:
12:55
